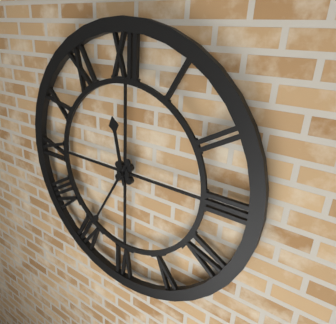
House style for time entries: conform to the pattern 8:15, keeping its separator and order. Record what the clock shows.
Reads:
11:35
